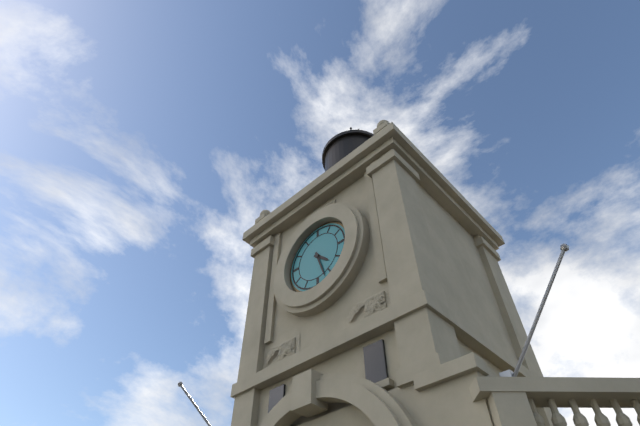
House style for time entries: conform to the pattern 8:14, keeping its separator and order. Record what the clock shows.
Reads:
4:27
